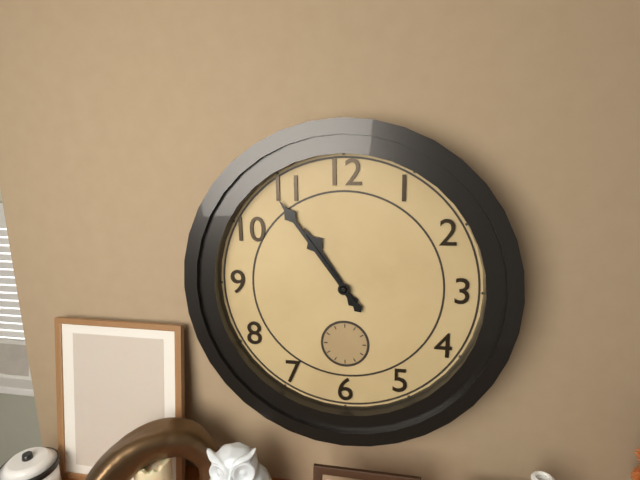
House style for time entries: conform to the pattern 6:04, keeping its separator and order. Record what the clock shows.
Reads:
10:54
